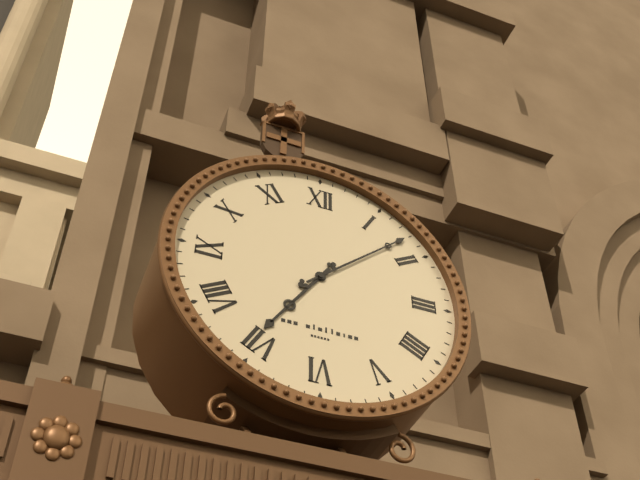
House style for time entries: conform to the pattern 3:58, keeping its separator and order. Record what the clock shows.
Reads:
7:08
